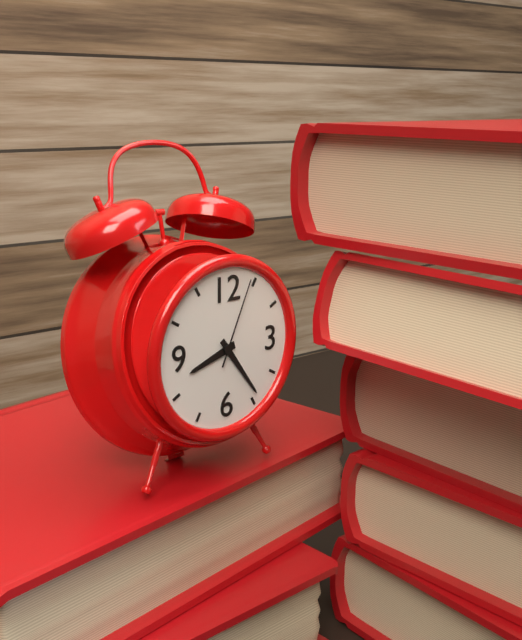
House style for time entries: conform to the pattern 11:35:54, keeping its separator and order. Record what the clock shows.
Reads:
8:24:04
